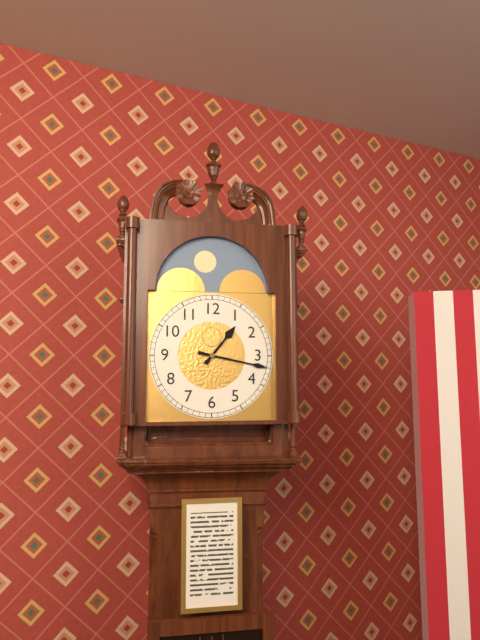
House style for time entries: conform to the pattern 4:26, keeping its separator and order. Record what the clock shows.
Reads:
1:17
